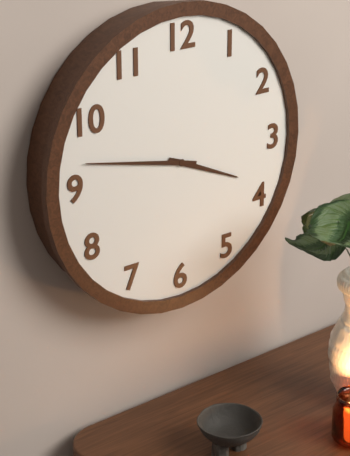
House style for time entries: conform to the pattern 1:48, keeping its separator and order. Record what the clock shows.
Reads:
3:47
